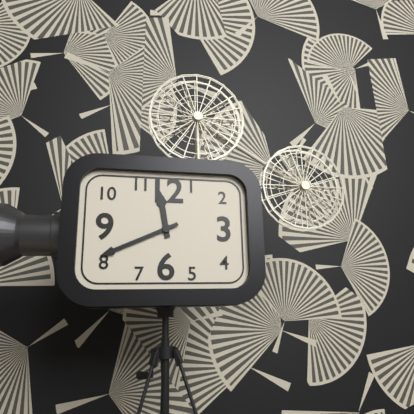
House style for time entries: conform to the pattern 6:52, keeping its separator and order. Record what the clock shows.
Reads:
11:41
